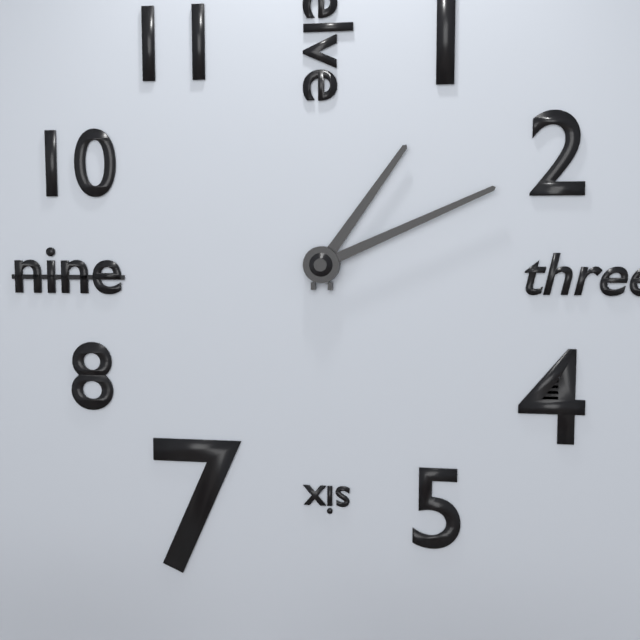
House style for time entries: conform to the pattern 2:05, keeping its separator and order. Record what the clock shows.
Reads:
1:11
